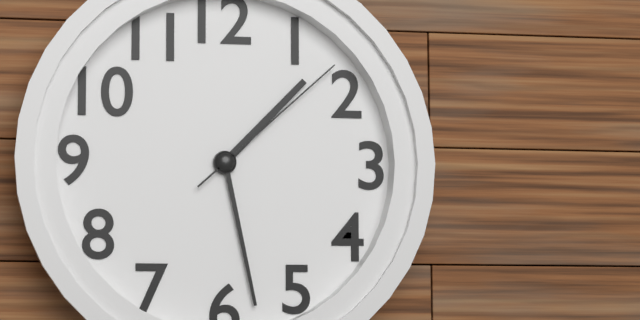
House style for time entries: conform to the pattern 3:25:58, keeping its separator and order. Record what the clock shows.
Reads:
1:28:08
